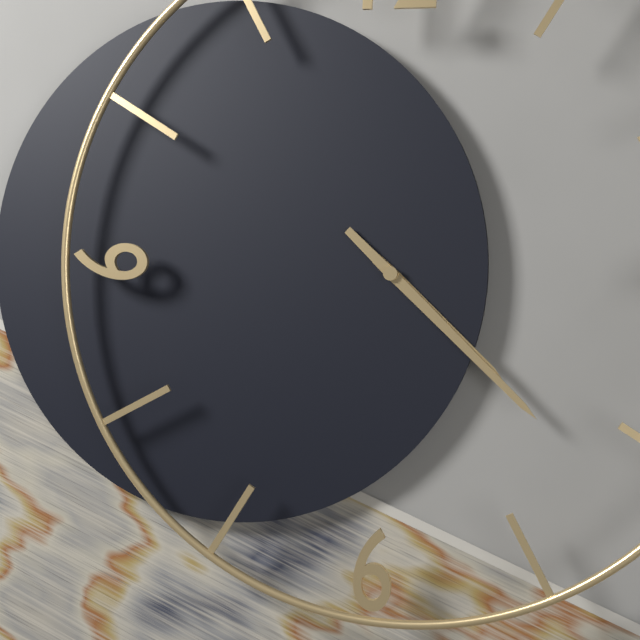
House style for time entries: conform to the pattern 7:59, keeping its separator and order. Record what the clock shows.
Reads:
4:22
